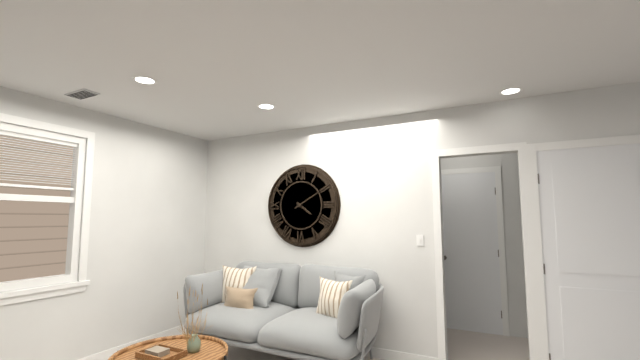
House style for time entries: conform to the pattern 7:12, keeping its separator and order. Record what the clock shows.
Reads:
4:10
